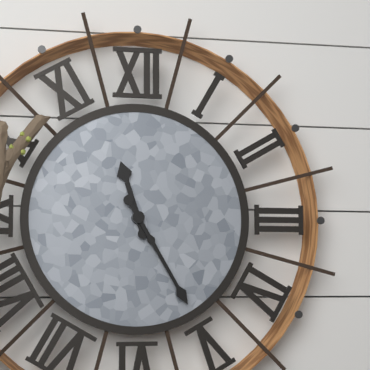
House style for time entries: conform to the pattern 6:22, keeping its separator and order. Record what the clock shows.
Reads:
11:25
